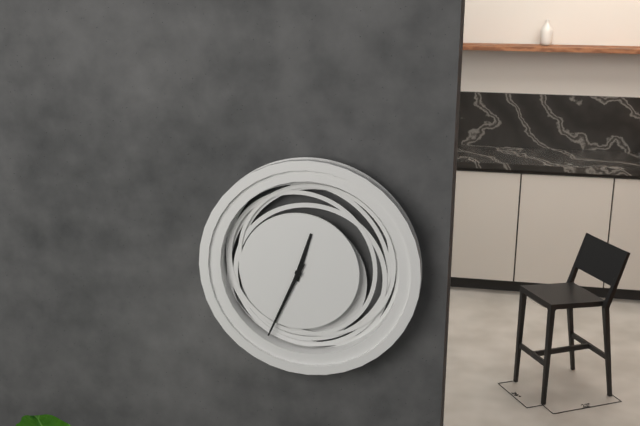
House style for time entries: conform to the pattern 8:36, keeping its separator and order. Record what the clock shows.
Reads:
12:34
